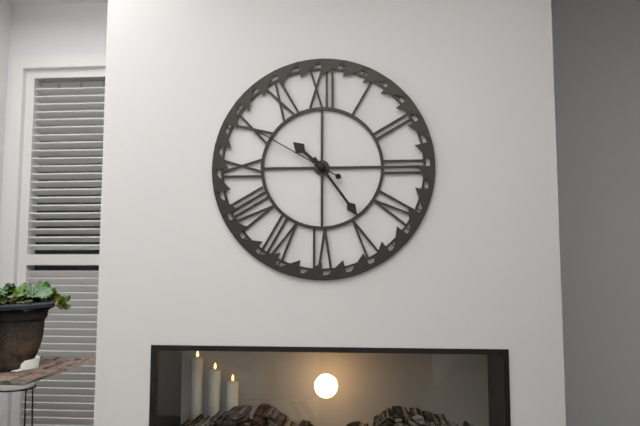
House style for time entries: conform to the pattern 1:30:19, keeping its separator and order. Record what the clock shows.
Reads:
10:24:50
